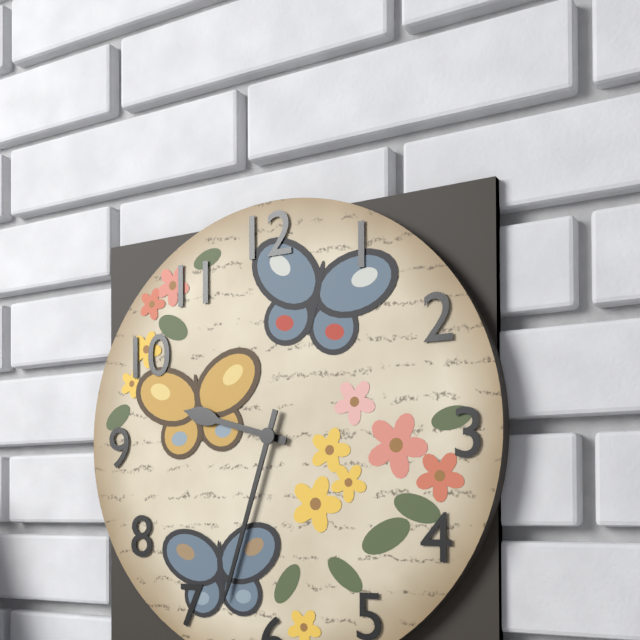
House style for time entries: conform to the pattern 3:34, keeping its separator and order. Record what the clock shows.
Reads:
9:33
